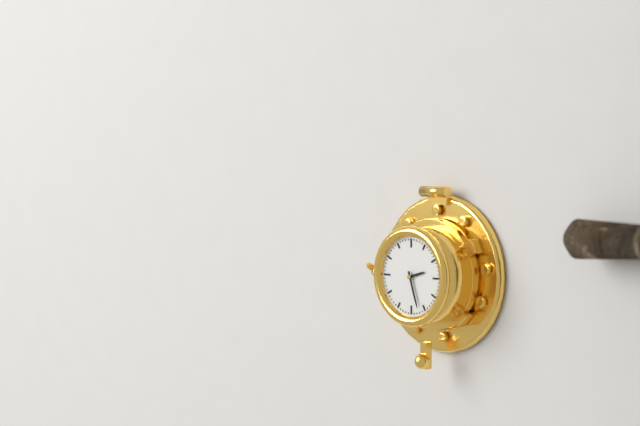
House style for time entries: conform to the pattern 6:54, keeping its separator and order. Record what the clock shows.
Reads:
2:27
